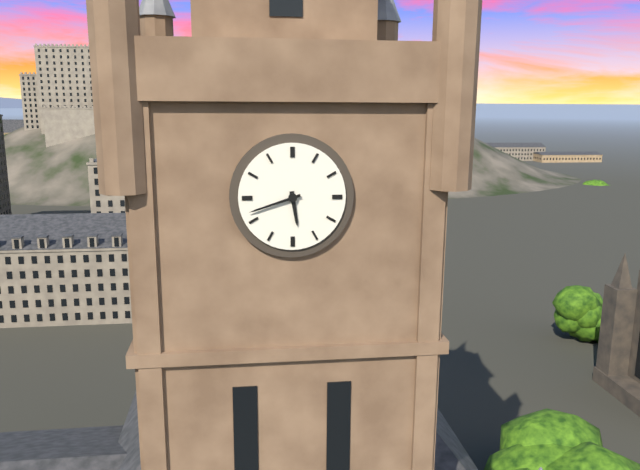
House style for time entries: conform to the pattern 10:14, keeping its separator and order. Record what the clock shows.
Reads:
5:42
